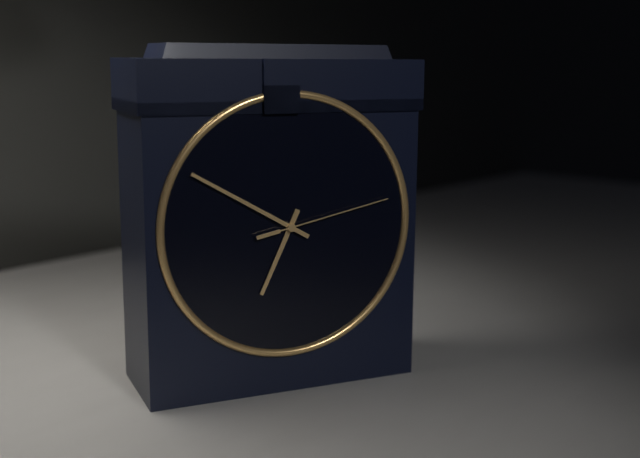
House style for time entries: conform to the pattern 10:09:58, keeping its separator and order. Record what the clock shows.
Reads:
6:50:13
